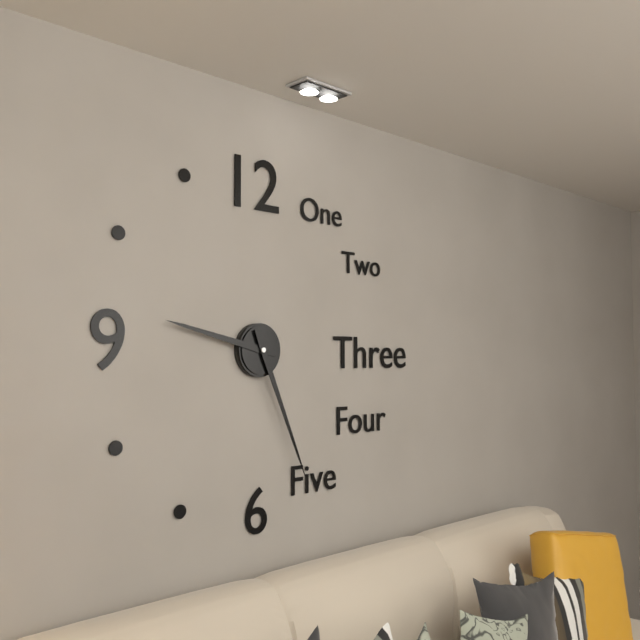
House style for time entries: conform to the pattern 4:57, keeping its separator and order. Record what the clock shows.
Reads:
9:26
